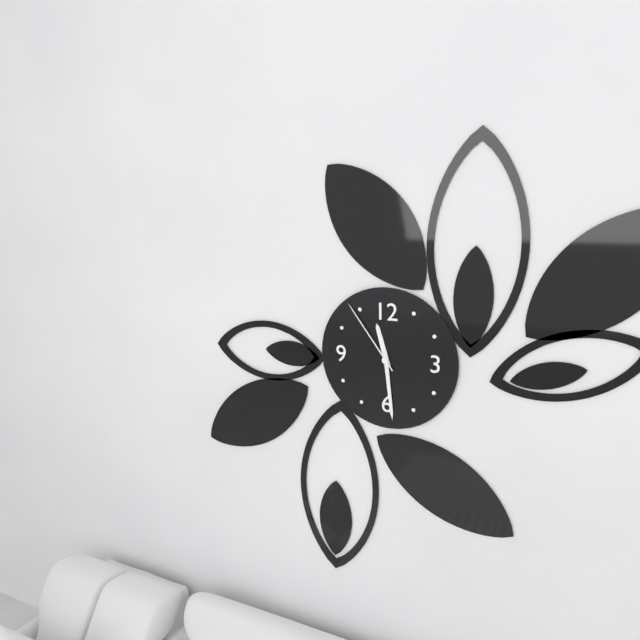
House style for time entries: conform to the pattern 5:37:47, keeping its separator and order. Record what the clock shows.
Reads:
11:29:54
